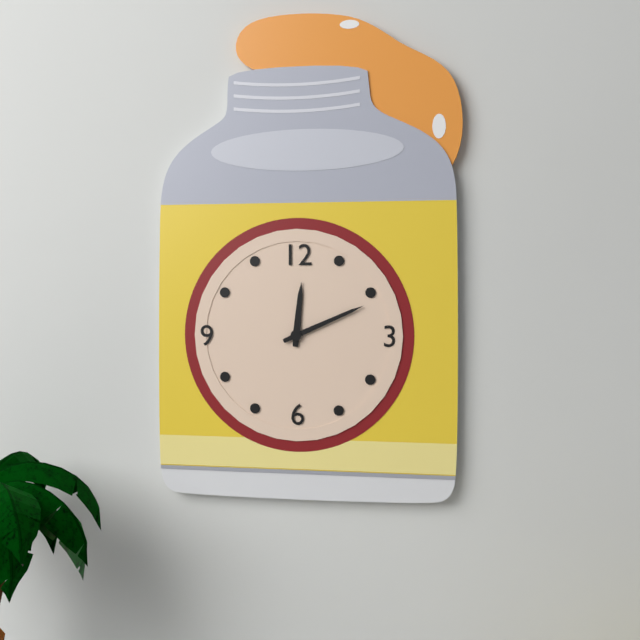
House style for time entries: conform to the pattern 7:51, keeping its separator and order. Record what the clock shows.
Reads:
12:11
